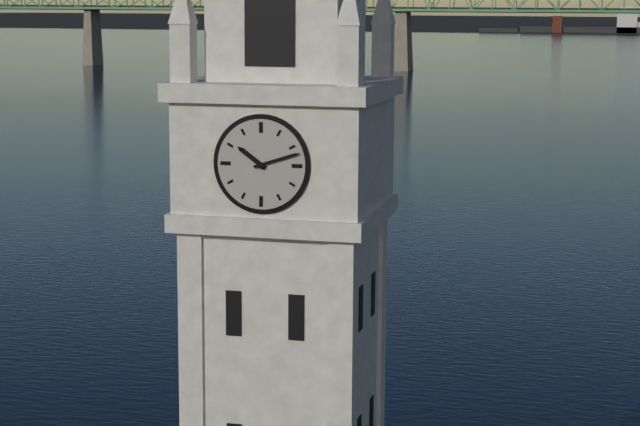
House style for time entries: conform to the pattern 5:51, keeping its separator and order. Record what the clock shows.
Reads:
10:12
